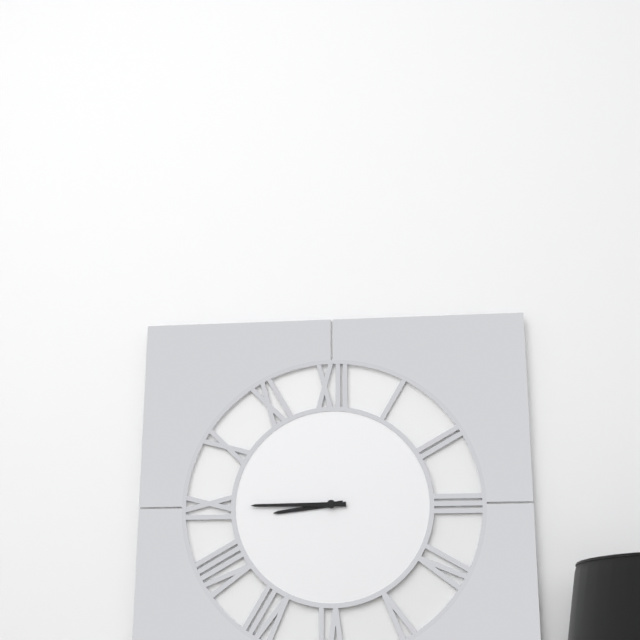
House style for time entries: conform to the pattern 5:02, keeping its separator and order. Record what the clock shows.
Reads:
8:45
